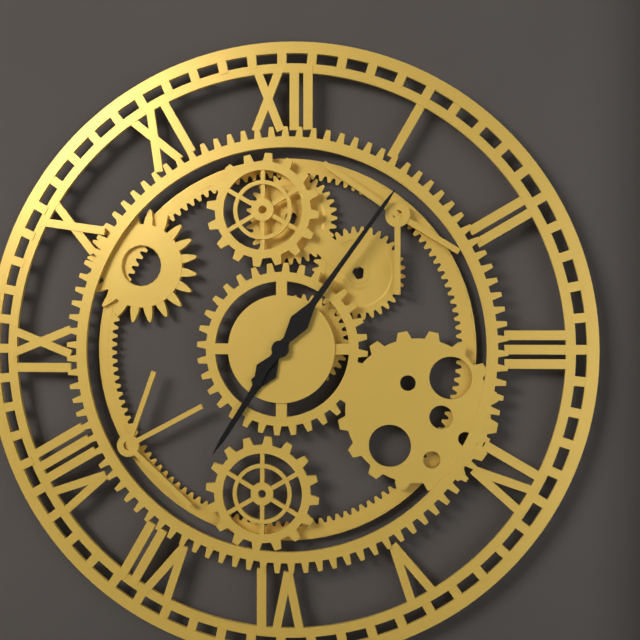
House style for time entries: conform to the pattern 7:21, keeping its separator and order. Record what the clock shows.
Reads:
7:06
